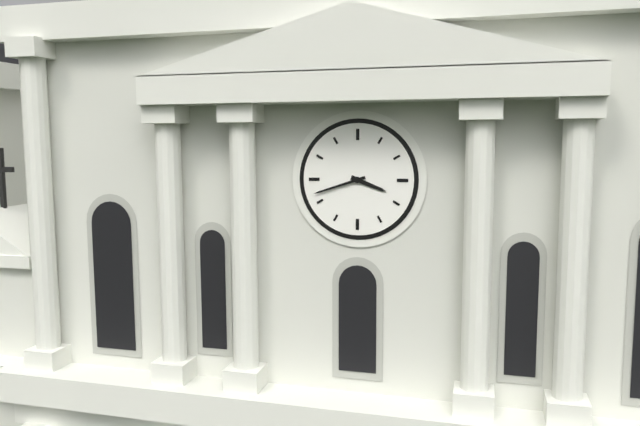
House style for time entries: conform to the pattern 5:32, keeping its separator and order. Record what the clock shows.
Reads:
3:42
